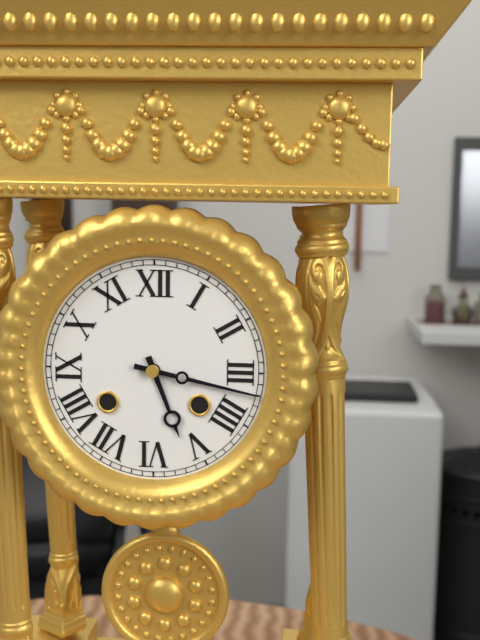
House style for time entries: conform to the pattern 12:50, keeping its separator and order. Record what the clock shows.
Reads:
5:17
